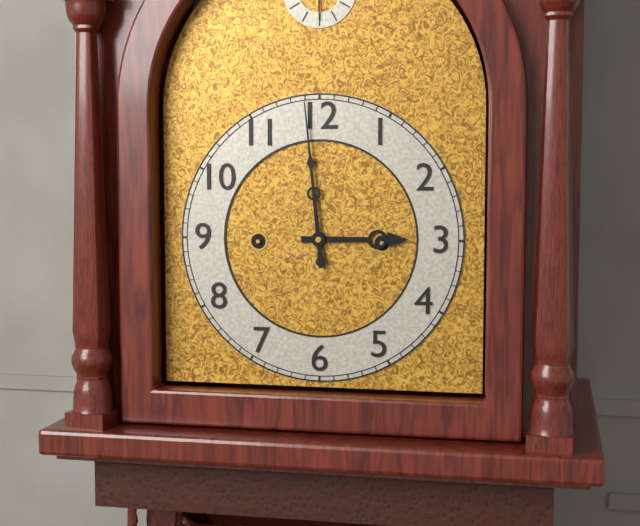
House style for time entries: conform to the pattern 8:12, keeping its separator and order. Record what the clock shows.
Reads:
2:59
